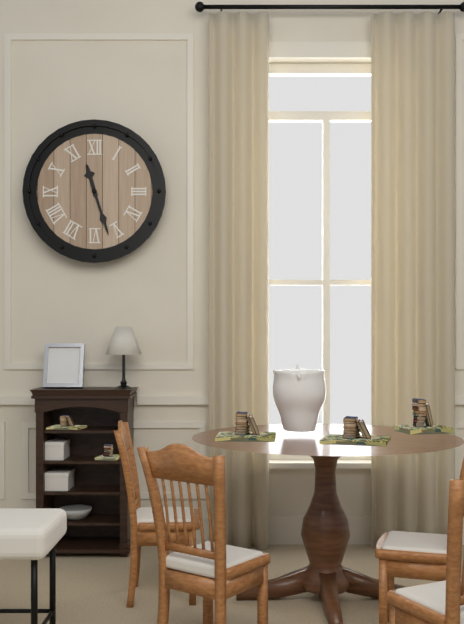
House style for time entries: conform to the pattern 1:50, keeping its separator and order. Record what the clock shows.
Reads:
11:27
